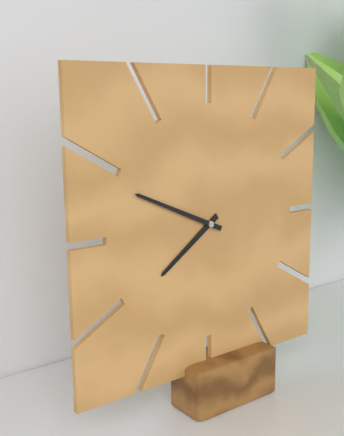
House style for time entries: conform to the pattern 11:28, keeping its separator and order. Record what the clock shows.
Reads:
7:49
